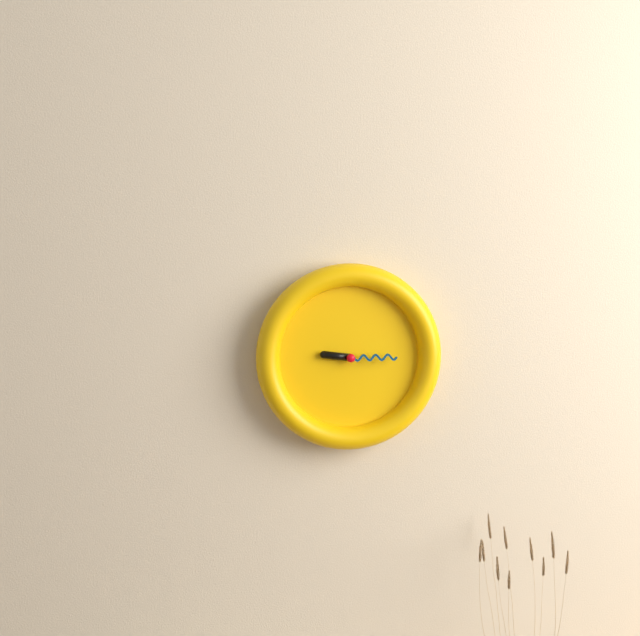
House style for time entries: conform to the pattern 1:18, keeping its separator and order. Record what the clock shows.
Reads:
9:15
